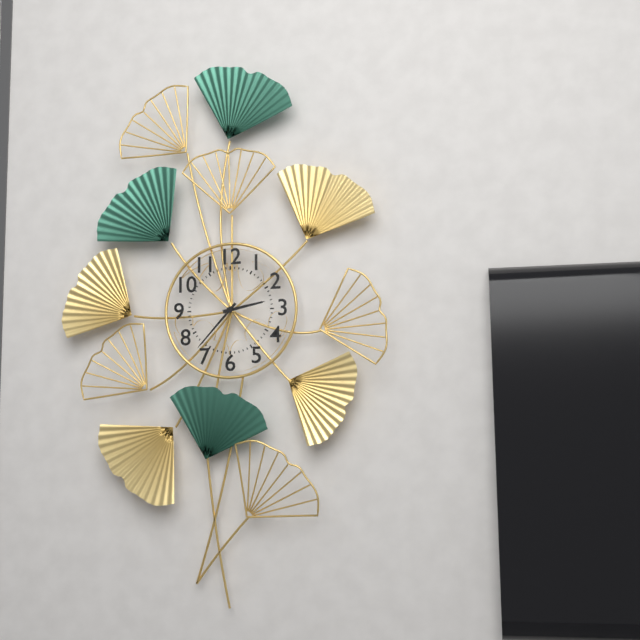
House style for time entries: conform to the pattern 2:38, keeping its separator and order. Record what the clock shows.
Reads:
2:37
